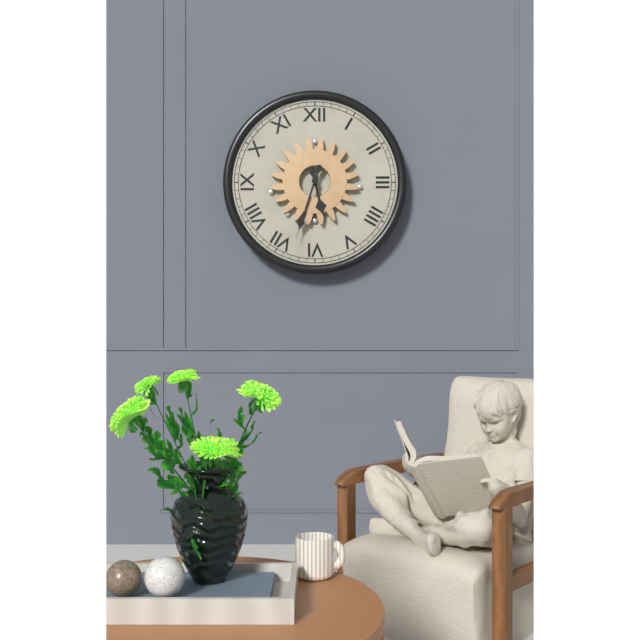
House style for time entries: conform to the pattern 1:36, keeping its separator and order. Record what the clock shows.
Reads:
5:33
